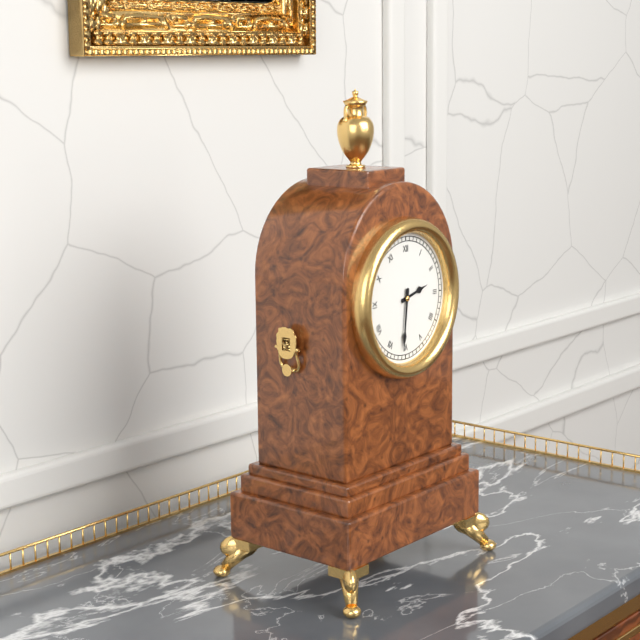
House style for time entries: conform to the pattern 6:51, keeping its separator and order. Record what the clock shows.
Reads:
2:31
